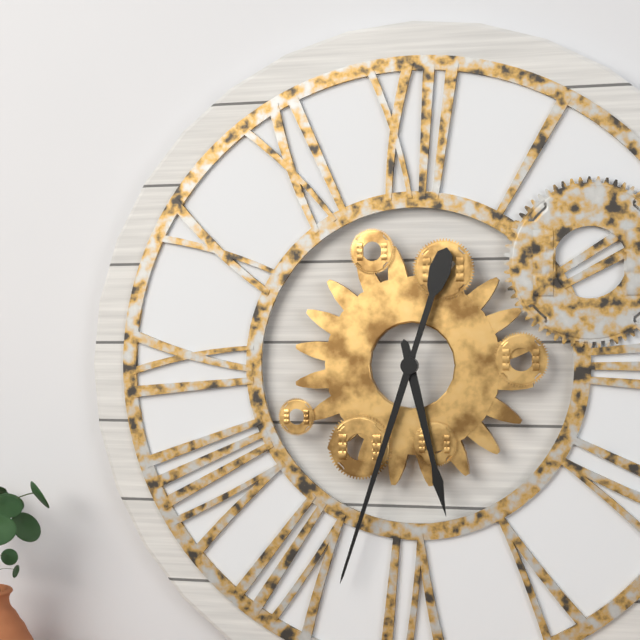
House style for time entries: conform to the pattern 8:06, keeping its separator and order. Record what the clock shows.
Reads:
5:33
